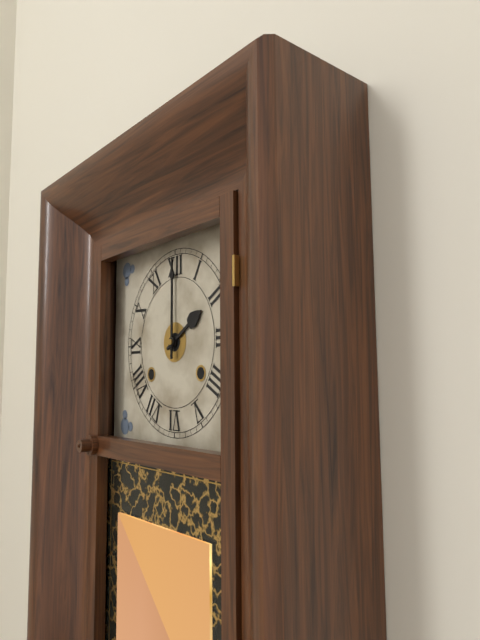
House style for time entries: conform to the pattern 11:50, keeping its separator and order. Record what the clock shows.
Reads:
2:00
